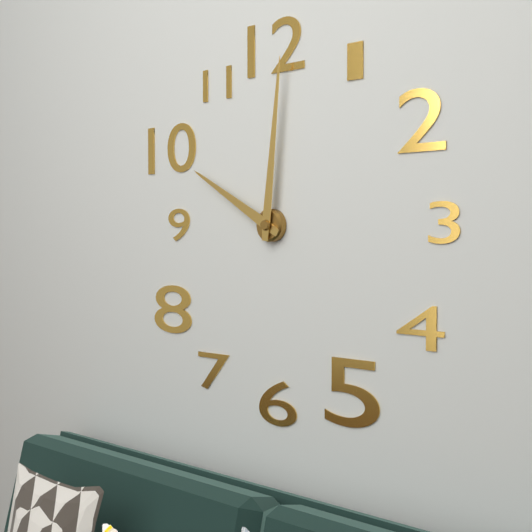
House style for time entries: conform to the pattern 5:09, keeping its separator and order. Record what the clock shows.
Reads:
10:01
